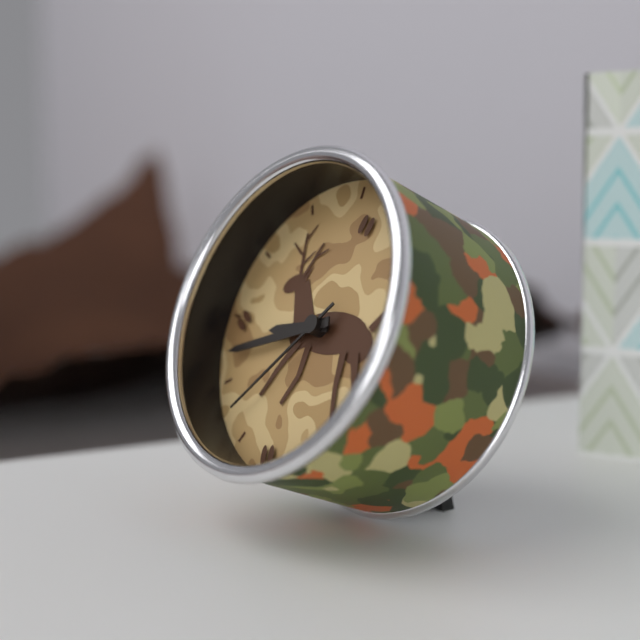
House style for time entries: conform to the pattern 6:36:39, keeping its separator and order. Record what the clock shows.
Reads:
8:42:37
